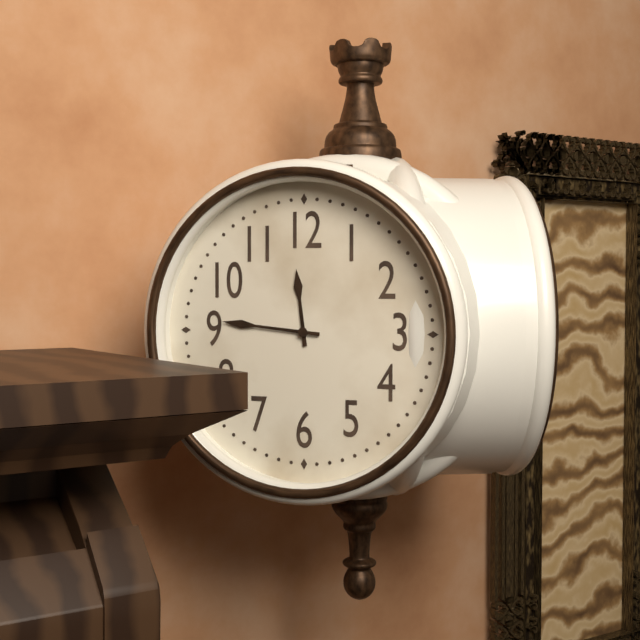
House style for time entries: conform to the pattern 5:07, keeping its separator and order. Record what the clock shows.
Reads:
11:46
